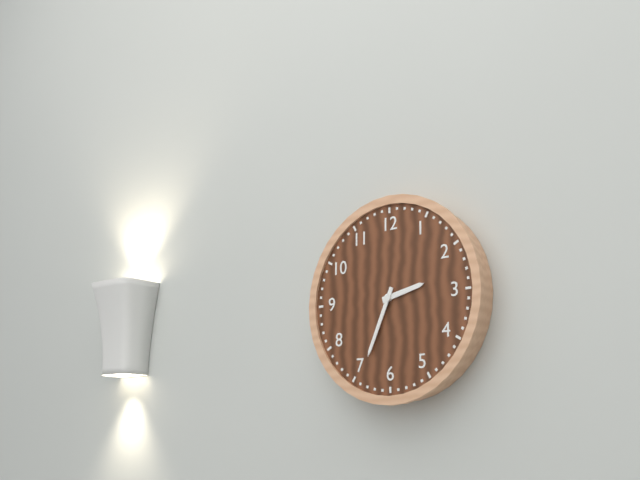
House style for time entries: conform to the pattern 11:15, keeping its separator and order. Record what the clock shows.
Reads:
2:34
